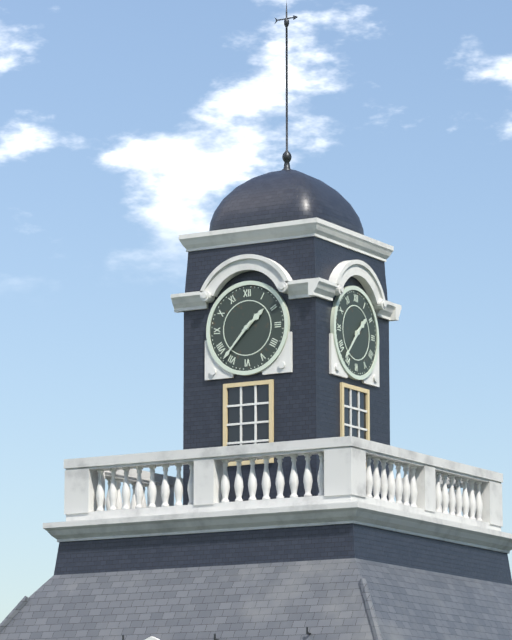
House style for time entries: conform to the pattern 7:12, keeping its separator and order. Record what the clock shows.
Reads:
1:37
